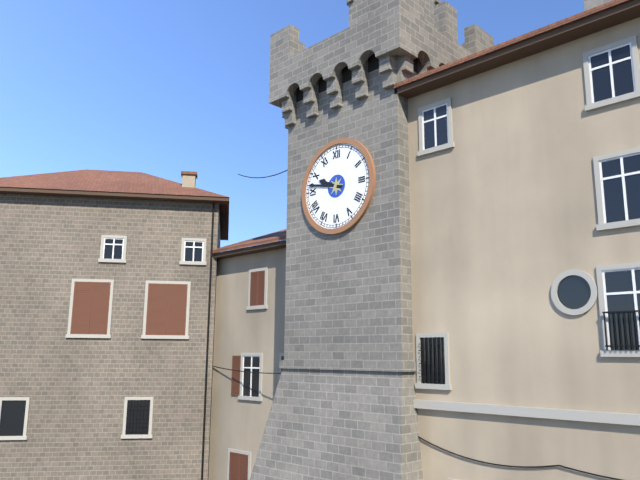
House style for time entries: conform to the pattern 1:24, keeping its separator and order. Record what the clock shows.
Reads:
9:47
